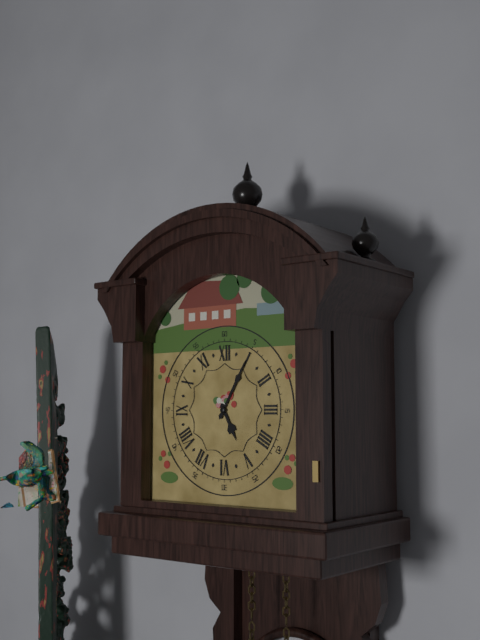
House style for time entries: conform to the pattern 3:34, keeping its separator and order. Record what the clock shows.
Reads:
5:05
